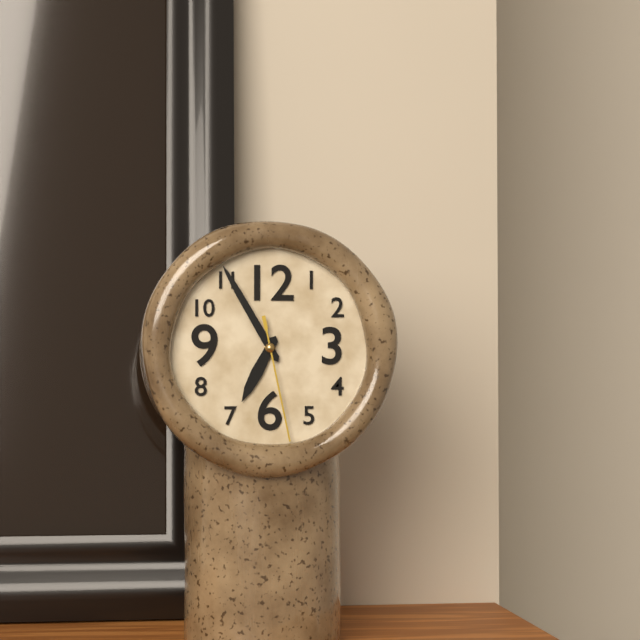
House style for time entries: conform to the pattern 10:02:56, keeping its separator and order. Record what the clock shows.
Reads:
6:55:28
